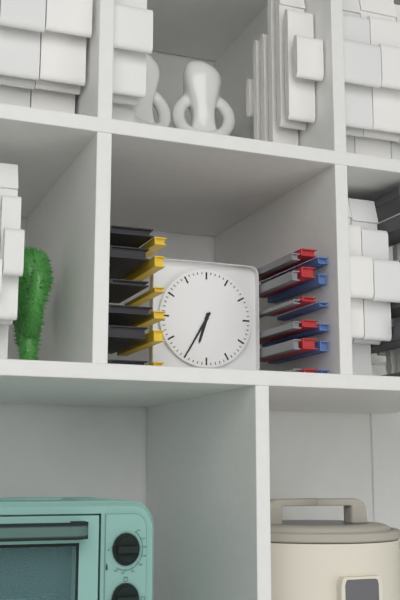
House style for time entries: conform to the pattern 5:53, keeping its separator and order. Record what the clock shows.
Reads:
6:35
